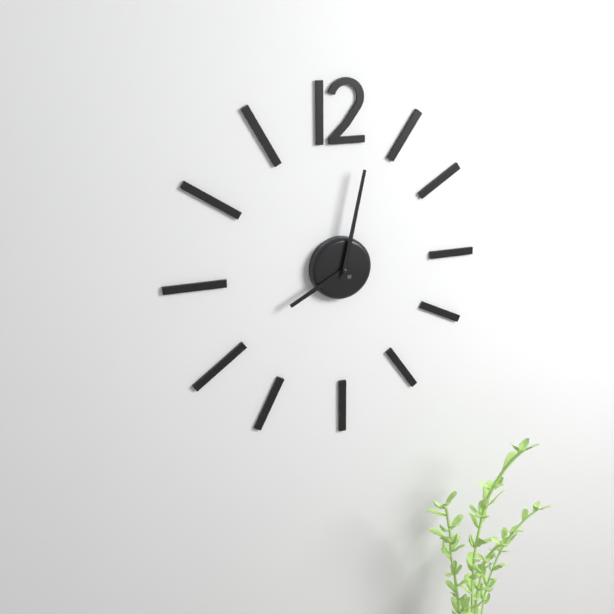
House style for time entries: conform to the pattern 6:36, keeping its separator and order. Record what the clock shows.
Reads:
8:02
